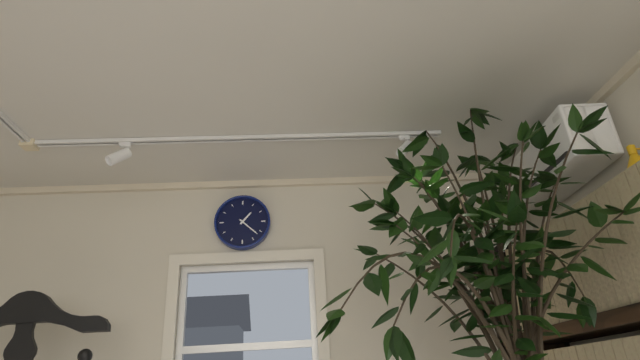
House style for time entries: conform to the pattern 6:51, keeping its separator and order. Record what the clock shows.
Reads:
1:22
